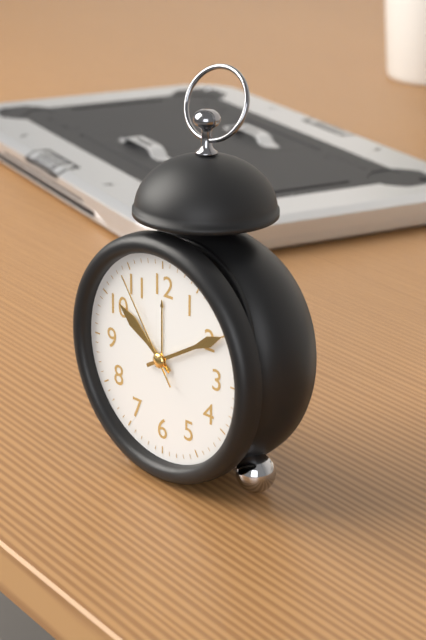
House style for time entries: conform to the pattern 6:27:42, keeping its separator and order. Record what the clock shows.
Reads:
10:10:54
